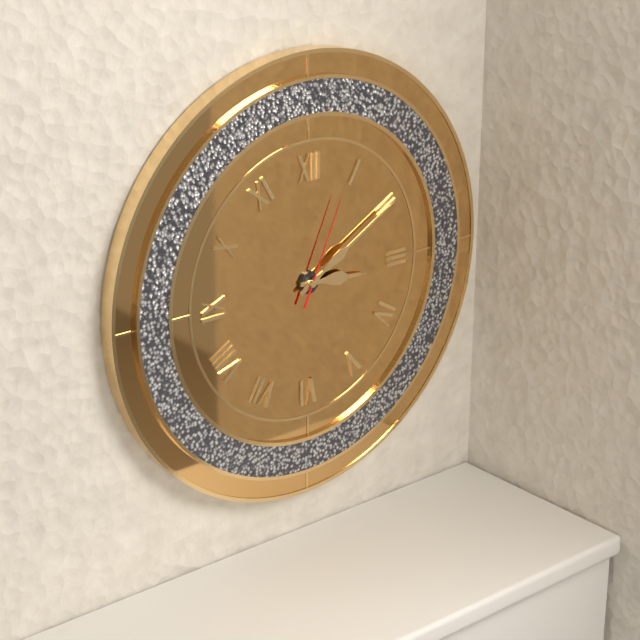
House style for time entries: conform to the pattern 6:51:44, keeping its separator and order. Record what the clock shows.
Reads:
3:10:04
